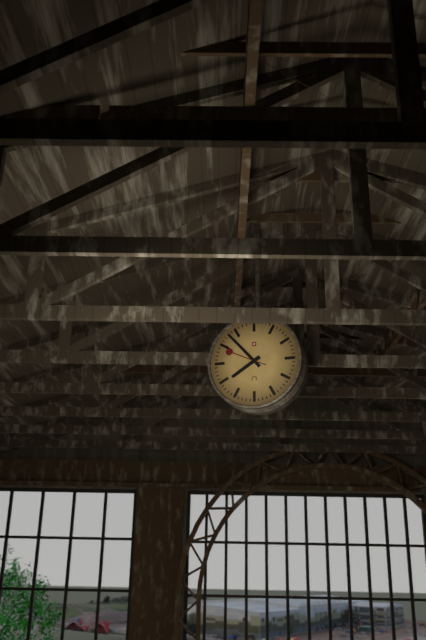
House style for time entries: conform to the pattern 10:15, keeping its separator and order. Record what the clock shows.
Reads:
7:53
